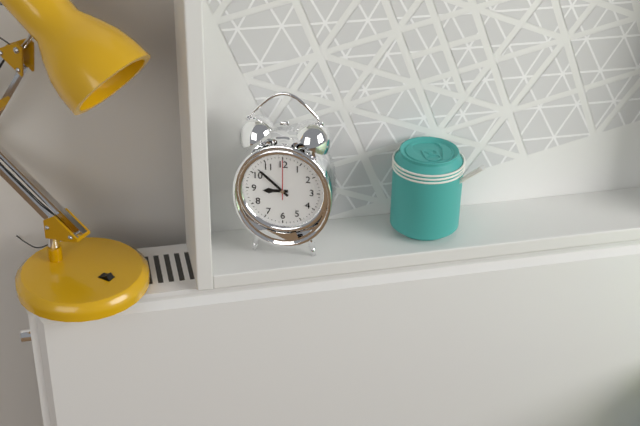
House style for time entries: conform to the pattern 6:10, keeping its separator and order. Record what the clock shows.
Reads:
8:52
